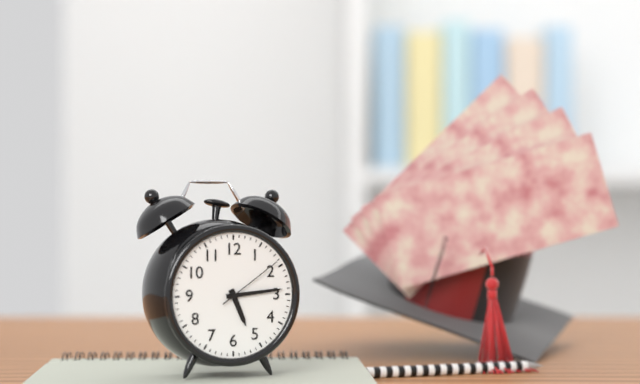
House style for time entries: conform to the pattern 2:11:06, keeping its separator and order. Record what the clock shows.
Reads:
5:14:09
